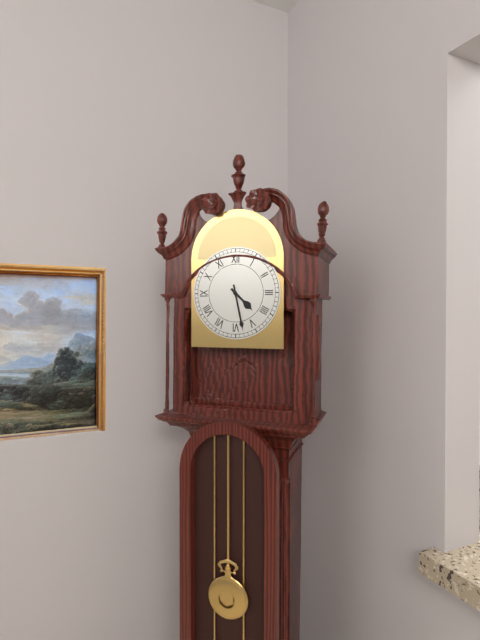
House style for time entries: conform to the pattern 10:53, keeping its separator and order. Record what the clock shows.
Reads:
4:28
